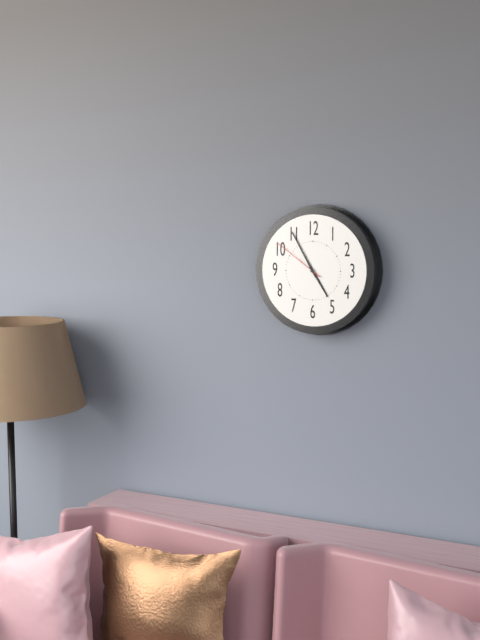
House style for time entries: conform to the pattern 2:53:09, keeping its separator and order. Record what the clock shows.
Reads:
4:55:51
